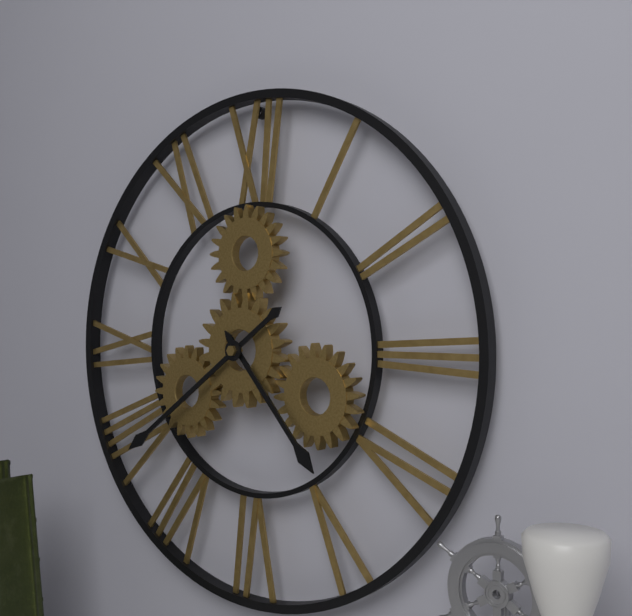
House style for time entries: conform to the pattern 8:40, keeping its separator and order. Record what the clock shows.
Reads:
4:39
